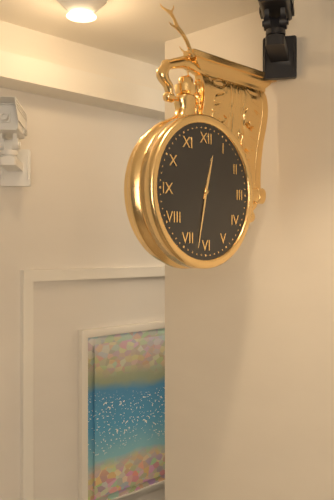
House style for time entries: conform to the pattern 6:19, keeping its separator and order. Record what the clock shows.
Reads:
12:32
